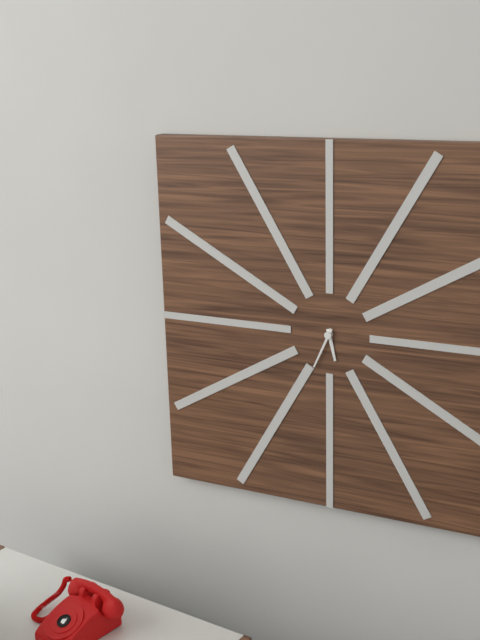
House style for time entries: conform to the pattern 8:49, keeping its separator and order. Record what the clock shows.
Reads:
5:34
